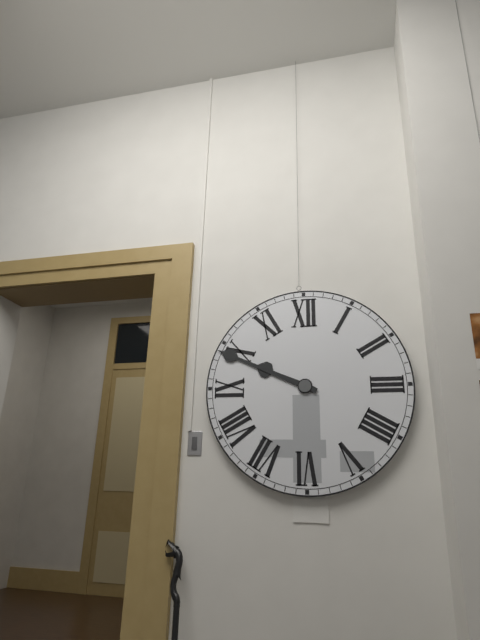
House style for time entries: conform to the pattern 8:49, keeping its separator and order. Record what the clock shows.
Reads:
9:49
